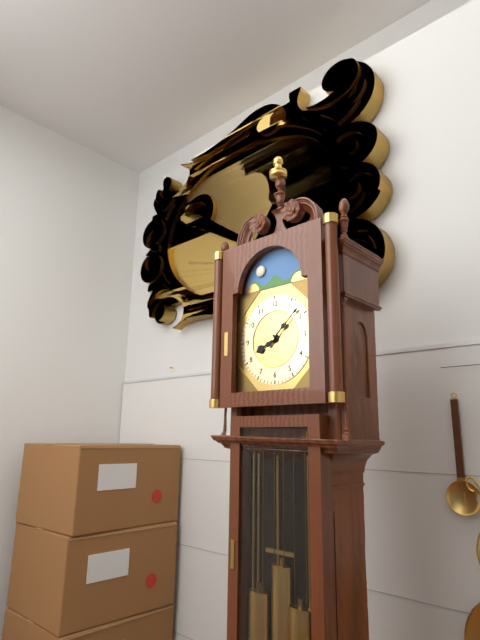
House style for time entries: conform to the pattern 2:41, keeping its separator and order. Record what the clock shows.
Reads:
8:08
